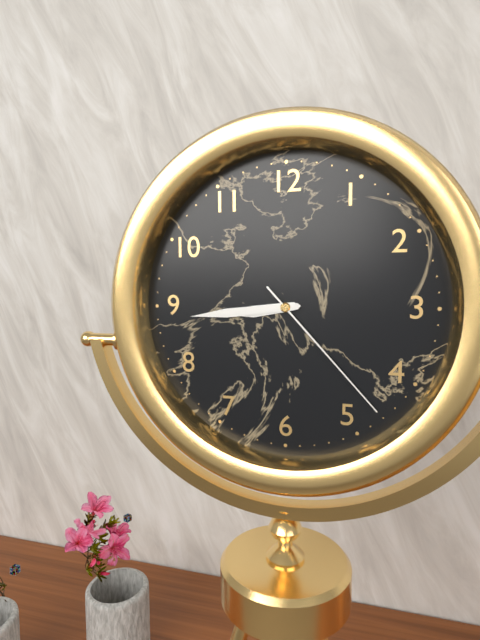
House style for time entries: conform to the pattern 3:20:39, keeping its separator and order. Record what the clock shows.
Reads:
8:44:23
